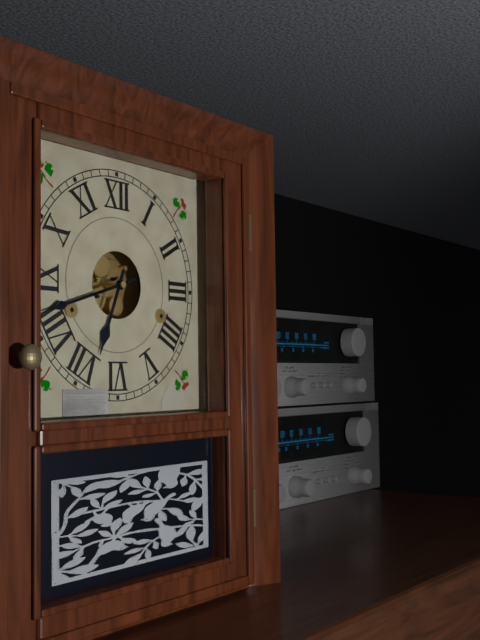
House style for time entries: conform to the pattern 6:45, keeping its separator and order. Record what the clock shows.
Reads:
6:42
